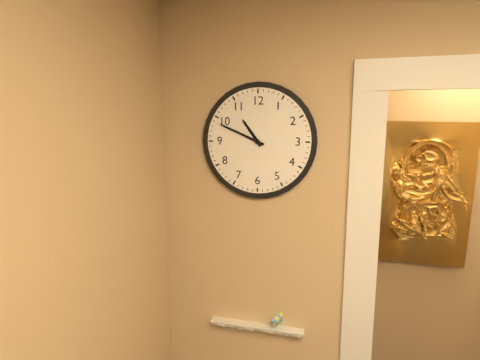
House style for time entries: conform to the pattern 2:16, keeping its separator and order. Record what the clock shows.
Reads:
10:49
